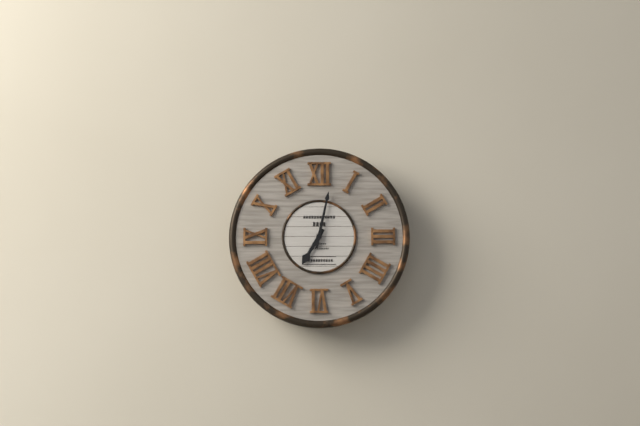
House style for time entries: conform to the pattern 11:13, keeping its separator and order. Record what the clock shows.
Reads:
7:02
